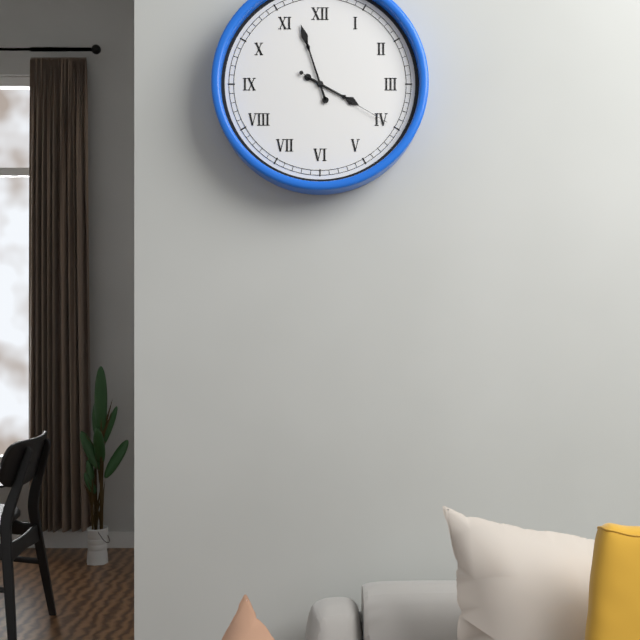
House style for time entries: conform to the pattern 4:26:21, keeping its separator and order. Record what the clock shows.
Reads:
3:57:20
